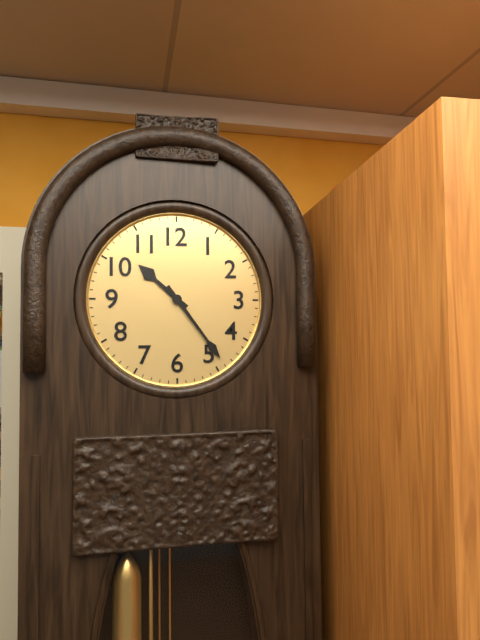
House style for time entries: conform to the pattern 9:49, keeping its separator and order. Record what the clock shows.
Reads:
10:24
